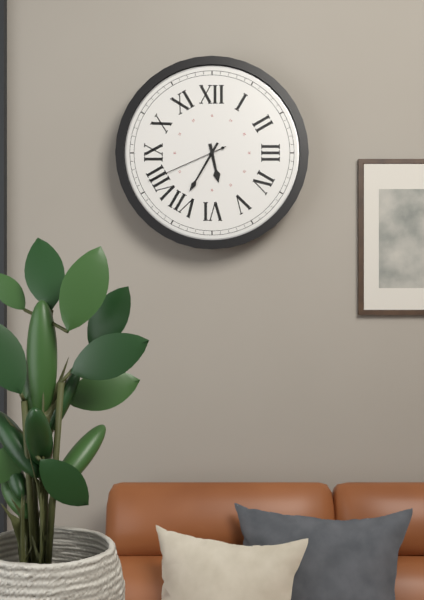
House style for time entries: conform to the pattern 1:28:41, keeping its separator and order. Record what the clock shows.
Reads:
5:35:41
